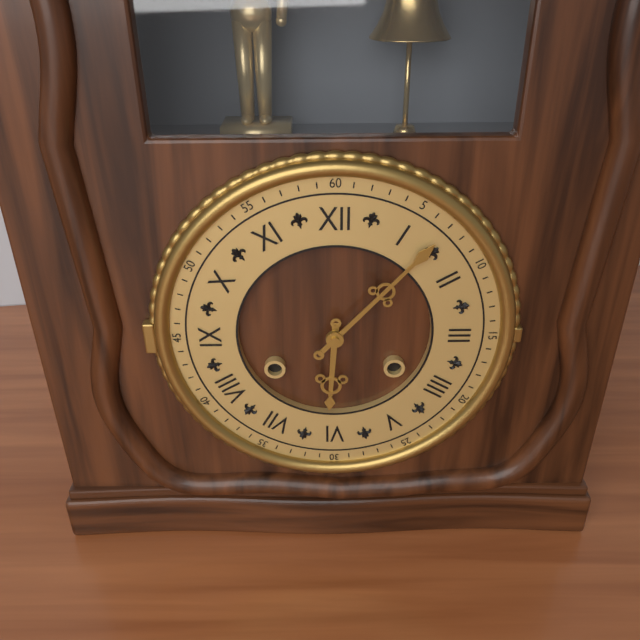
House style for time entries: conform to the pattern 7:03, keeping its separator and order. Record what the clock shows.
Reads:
6:07
